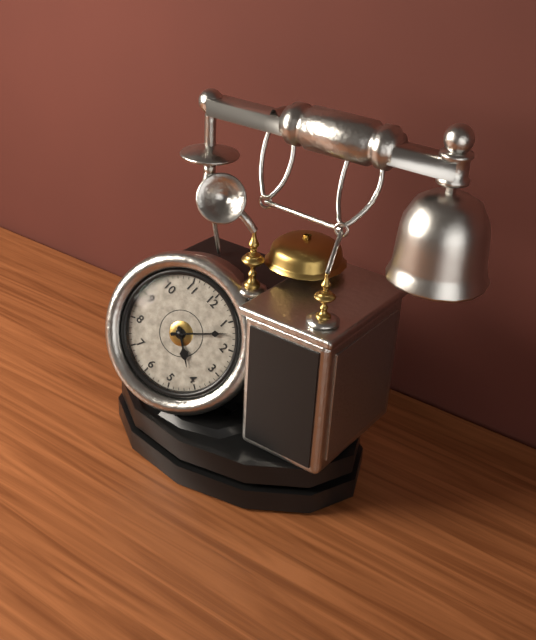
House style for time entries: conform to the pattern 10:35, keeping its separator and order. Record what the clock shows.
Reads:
4:07
